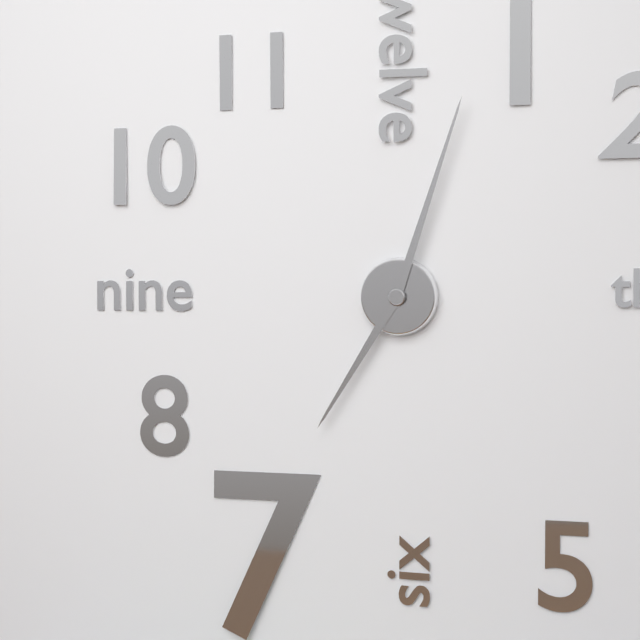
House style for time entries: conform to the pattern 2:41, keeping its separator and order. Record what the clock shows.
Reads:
7:03
